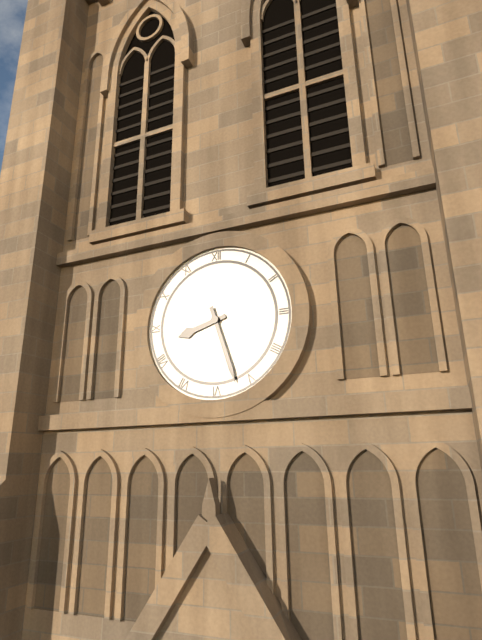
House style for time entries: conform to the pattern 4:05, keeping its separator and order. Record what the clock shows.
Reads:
8:27
